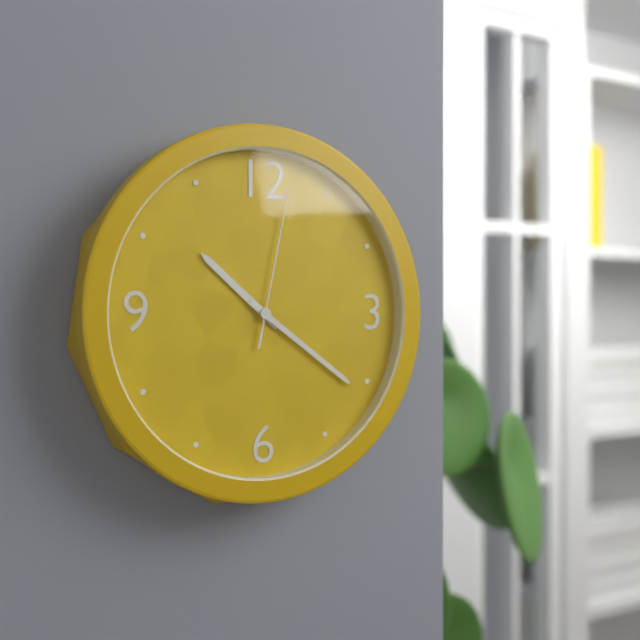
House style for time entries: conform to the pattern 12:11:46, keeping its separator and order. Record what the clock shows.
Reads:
10:21:02
